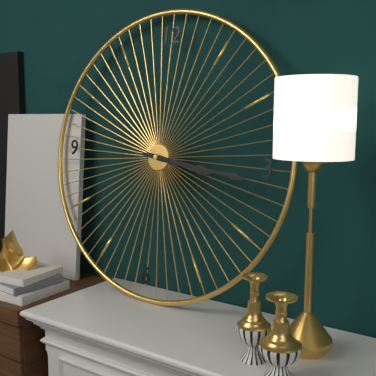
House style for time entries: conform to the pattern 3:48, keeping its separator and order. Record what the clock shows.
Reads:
3:16
